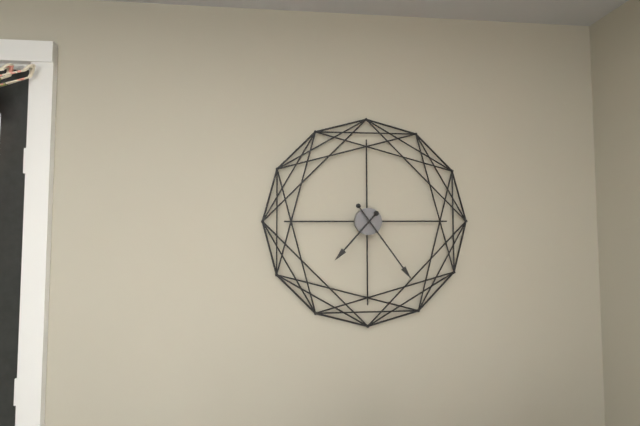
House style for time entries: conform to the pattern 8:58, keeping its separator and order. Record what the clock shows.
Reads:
7:24
